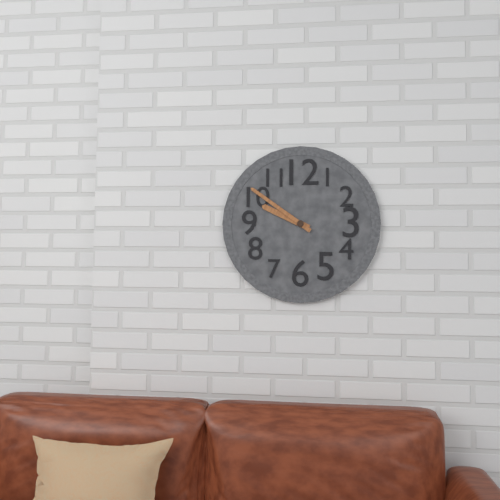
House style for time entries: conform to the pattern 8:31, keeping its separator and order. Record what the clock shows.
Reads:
9:51
